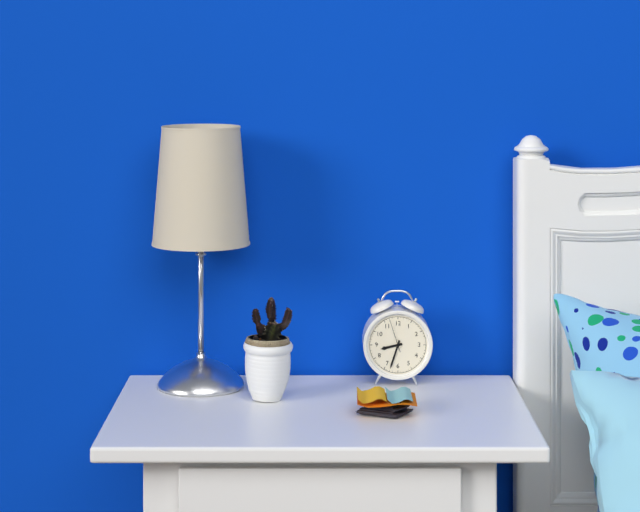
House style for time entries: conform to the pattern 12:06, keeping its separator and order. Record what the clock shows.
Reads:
8:33
